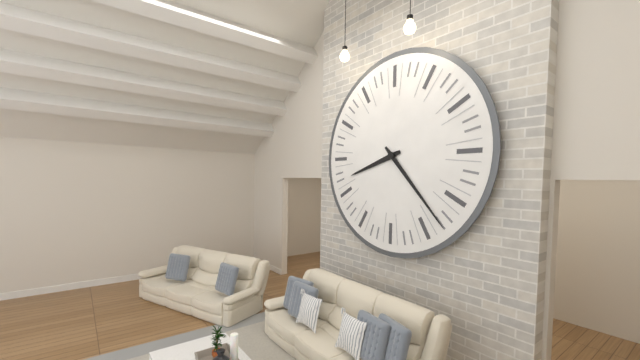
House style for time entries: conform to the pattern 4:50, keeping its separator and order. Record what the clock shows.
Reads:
8:23
